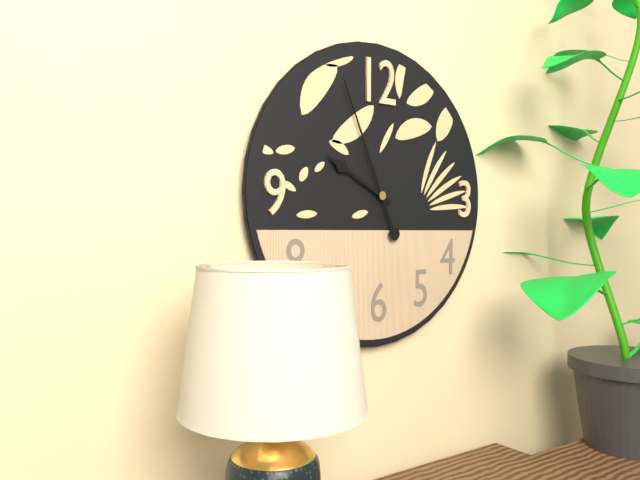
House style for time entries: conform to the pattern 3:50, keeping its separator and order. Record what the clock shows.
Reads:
9:56
